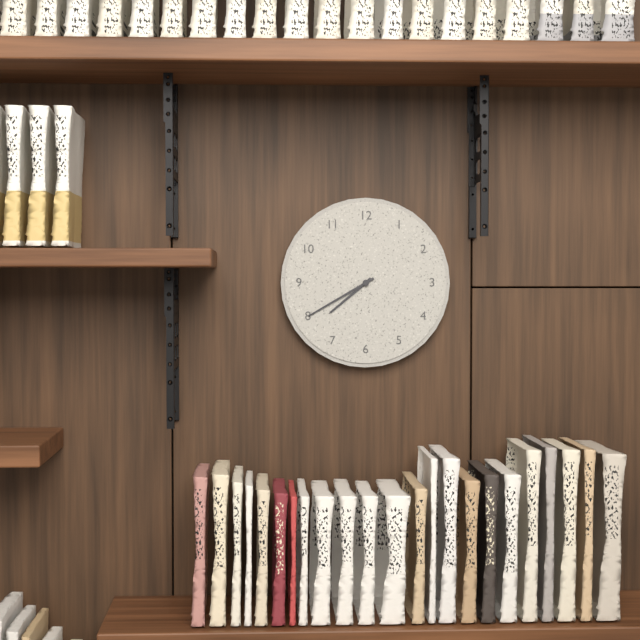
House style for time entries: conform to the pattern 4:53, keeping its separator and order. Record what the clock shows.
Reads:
7:40
